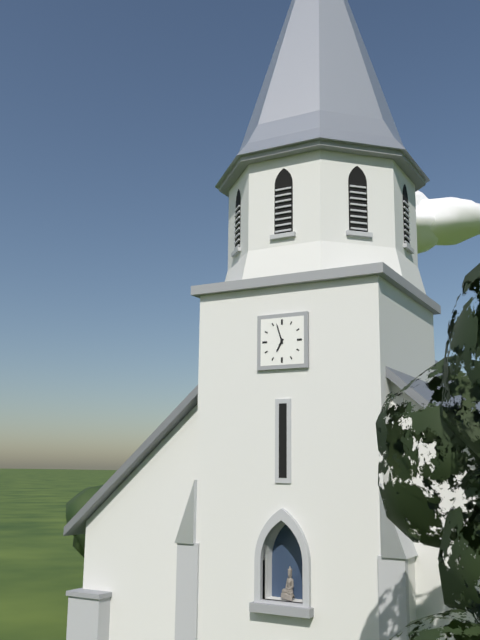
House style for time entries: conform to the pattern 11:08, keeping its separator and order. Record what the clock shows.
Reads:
6:57
